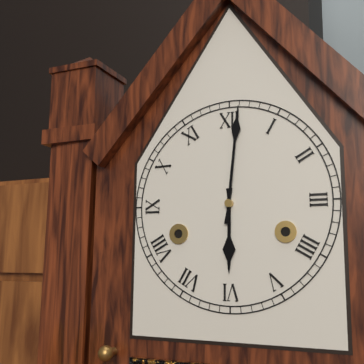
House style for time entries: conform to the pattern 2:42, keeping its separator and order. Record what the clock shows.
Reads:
6:01
